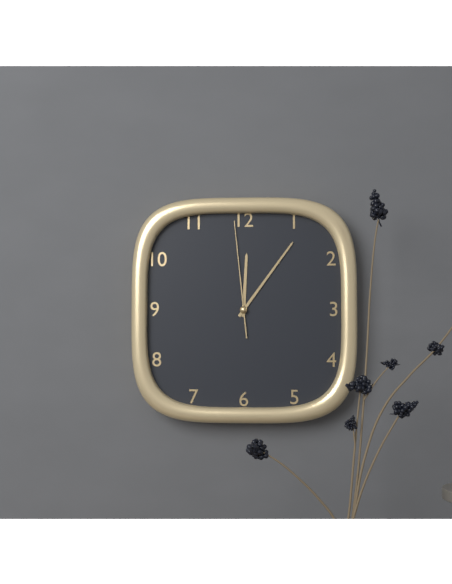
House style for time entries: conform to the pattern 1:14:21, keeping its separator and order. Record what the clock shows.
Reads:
12:06:59
